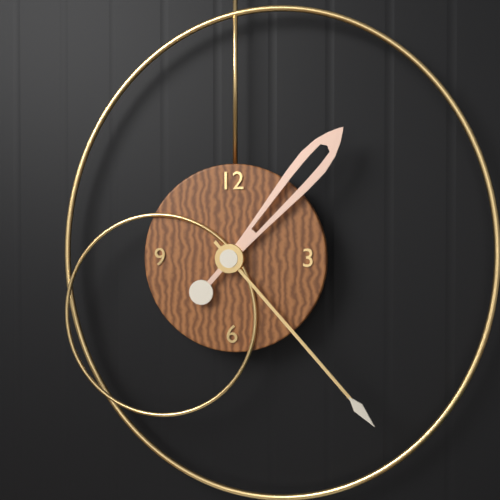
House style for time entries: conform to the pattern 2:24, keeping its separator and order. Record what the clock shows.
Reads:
1:23
